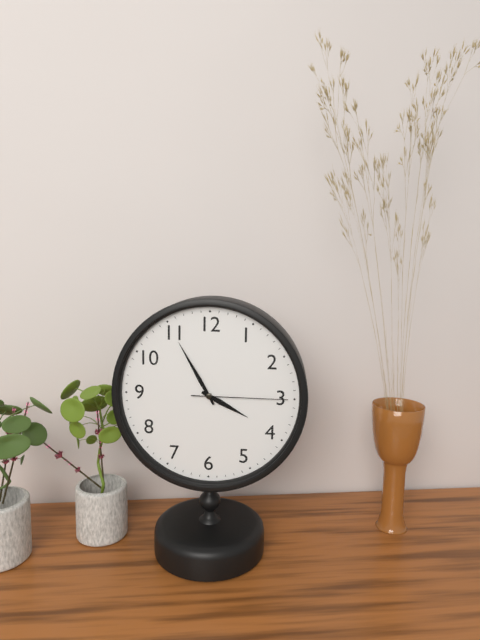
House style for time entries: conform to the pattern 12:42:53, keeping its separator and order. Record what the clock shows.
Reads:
3:55:15
